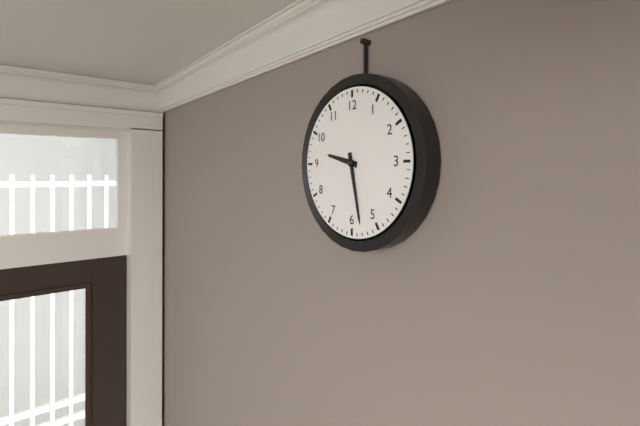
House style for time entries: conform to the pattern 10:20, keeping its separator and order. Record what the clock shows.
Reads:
9:28
